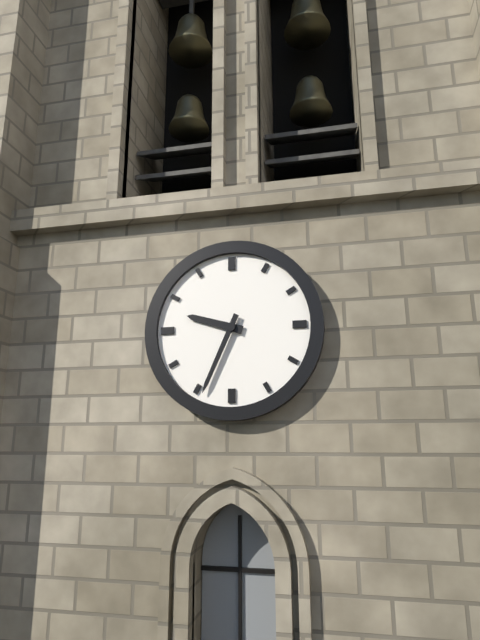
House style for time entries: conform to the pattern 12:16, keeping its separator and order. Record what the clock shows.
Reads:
9:34
